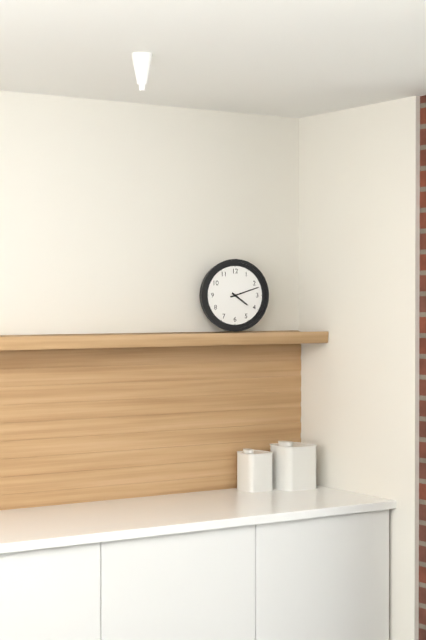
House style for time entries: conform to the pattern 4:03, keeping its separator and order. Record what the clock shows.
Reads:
4:12
